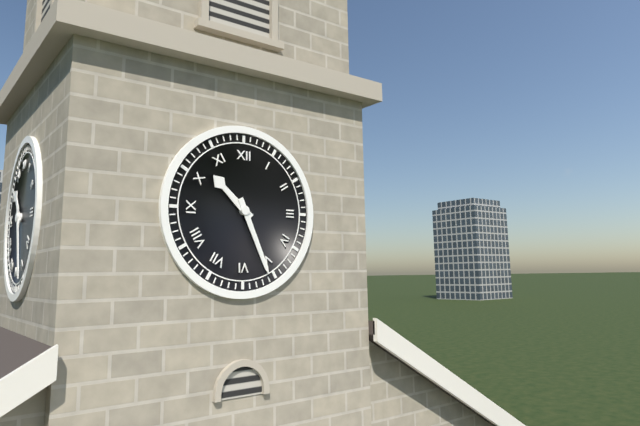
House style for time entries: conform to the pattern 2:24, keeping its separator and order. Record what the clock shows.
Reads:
10:26
